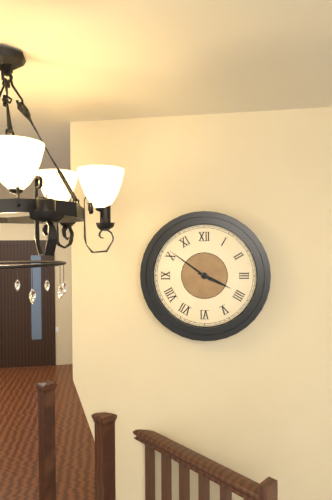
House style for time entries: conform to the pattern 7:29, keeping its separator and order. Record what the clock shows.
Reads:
3:51
